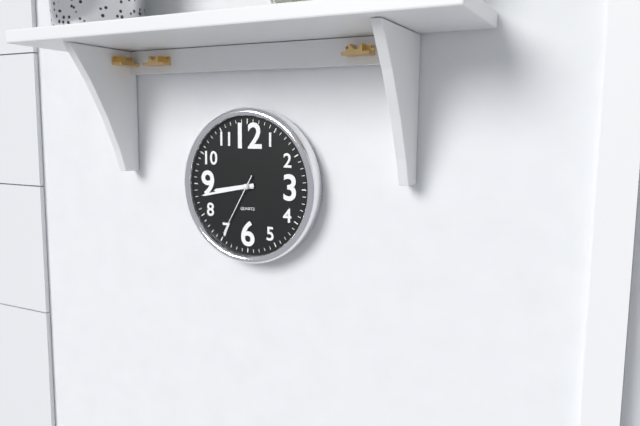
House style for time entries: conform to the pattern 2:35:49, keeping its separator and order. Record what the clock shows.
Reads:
8:43:35
